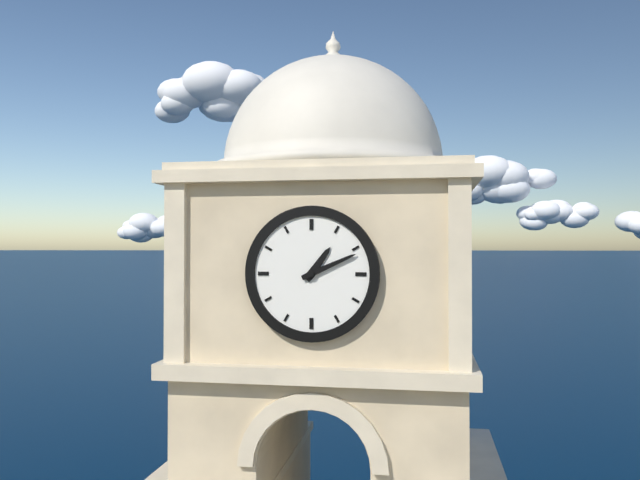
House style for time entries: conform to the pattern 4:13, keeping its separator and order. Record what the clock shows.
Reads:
1:11
